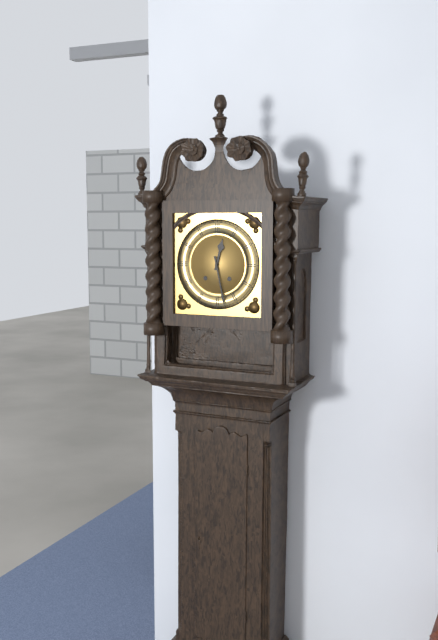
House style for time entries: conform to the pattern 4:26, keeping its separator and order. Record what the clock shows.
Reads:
12:28
